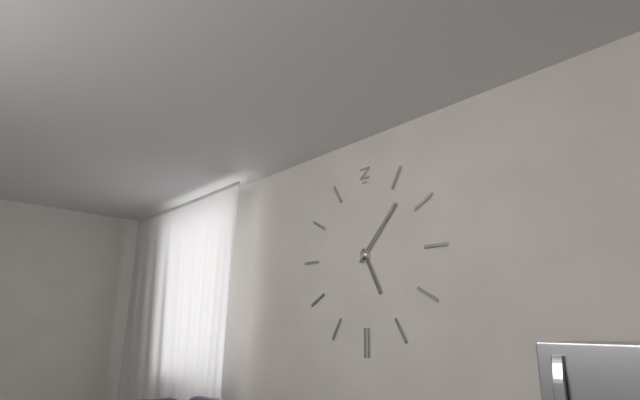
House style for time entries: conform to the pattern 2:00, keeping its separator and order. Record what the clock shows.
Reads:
5:07
